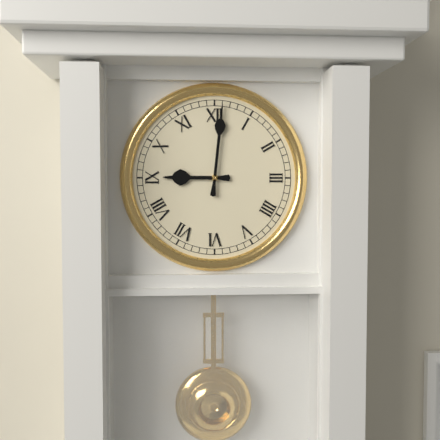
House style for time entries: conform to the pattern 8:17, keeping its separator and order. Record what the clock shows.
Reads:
9:01
